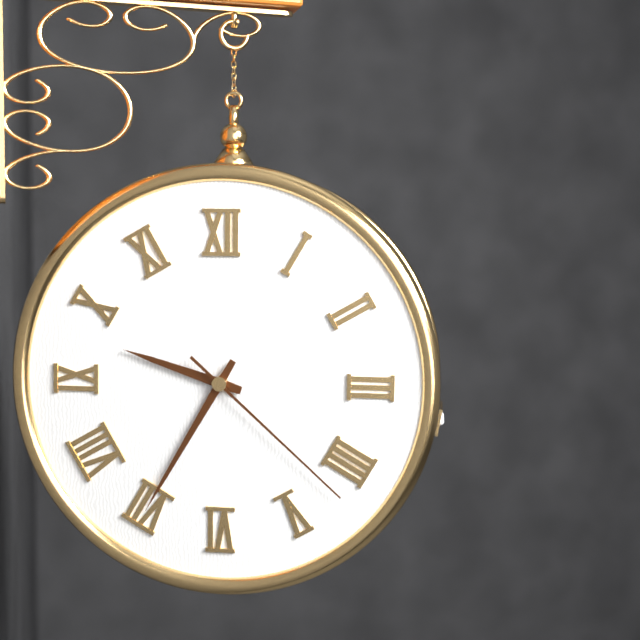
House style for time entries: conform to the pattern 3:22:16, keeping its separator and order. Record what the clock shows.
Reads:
9:35:22
